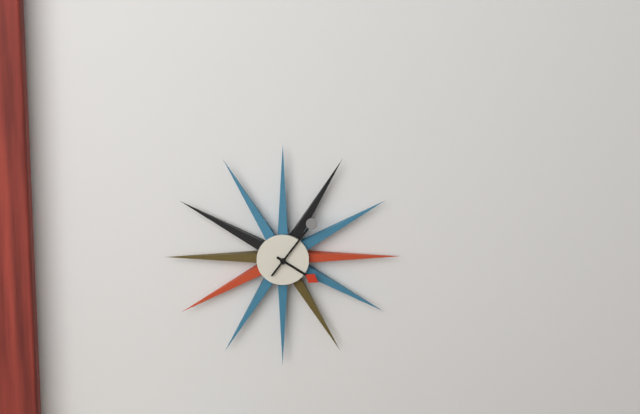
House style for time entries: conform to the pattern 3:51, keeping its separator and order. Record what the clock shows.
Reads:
4:06
